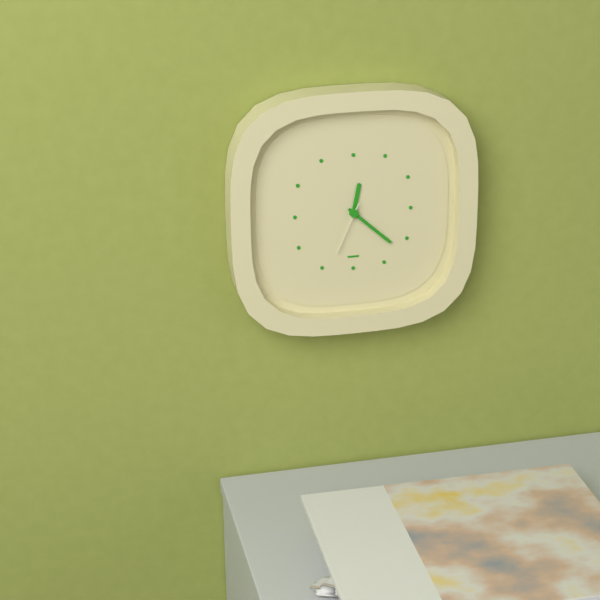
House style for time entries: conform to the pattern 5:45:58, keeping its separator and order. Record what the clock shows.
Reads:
12:22:34
